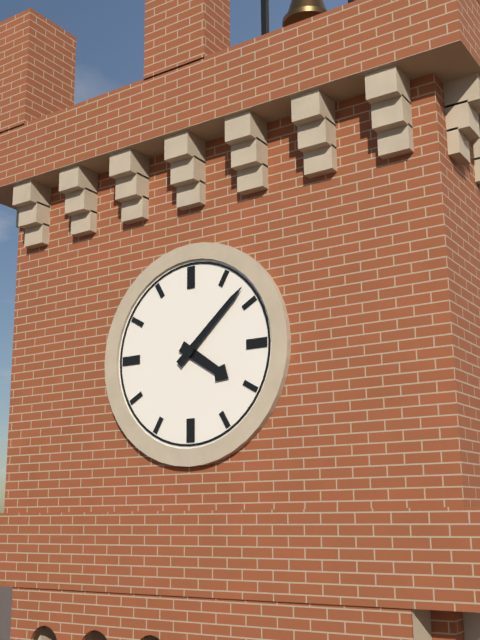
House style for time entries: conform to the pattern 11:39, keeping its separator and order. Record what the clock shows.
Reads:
4:08
